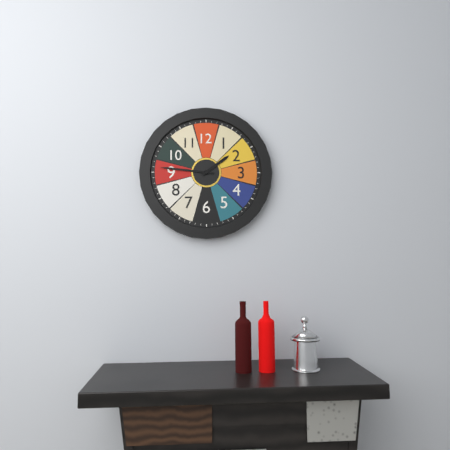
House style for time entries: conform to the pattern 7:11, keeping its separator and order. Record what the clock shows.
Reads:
1:46
